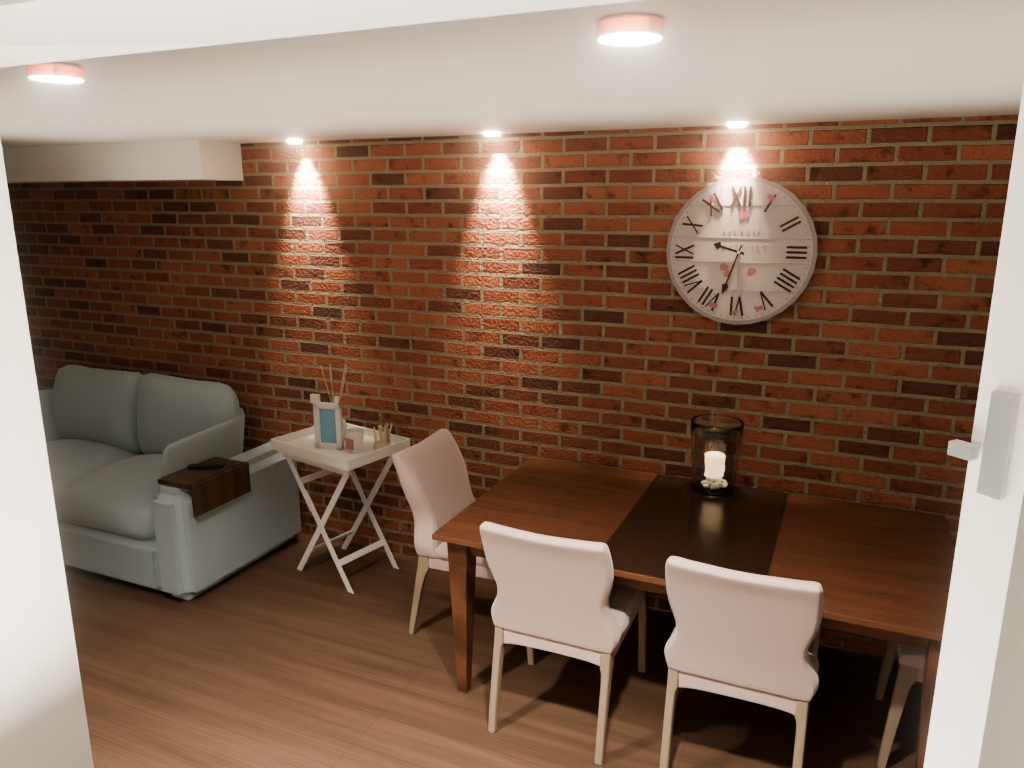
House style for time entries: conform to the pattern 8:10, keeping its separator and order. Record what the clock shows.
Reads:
9:33
